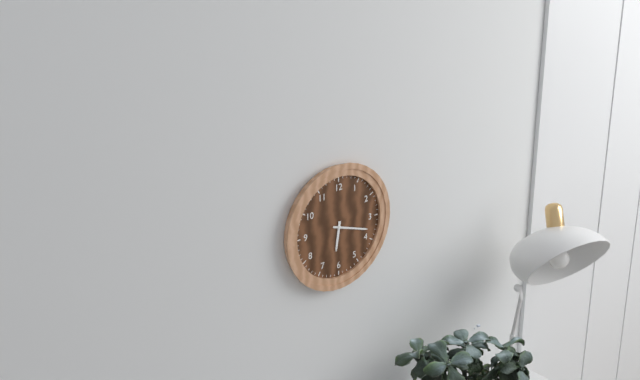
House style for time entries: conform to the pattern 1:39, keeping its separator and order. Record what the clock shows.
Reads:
6:18
